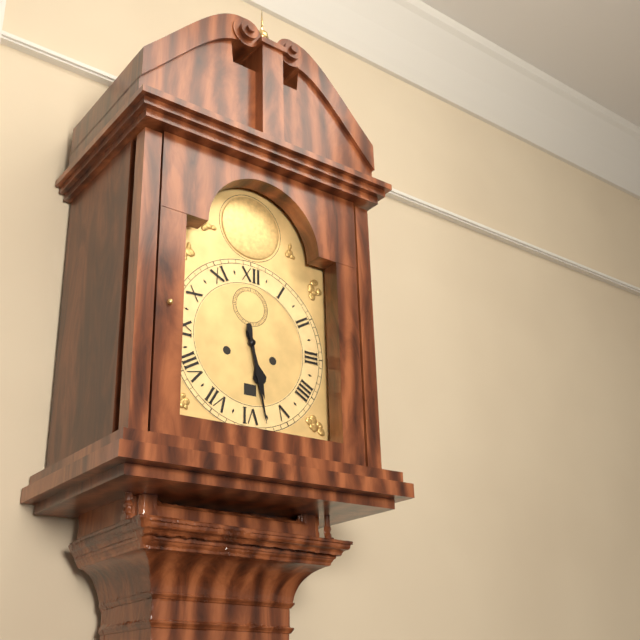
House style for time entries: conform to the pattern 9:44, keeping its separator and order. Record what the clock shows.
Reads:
5:28
